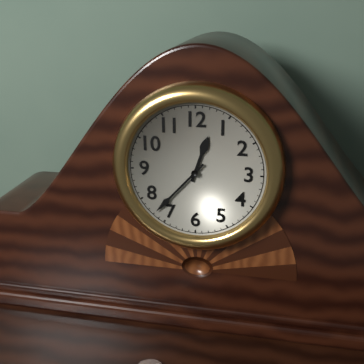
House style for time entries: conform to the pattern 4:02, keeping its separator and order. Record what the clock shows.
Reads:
12:37
